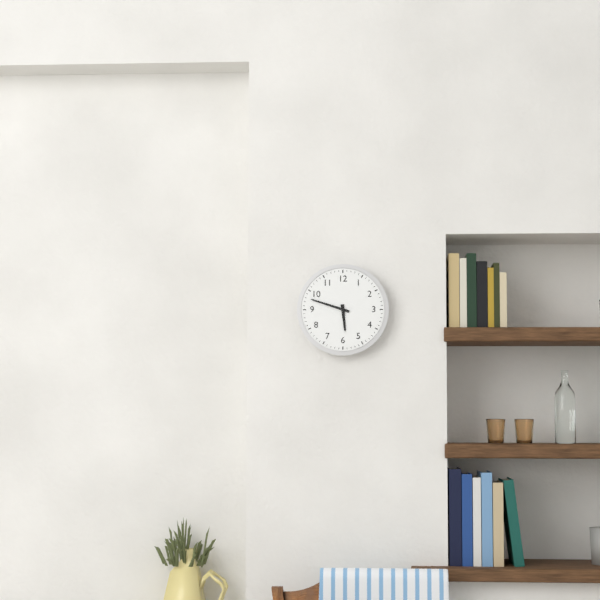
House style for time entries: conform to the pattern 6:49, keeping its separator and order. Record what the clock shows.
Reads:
5:48
